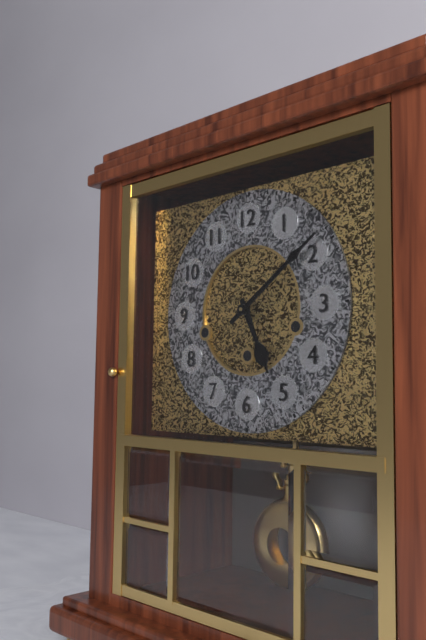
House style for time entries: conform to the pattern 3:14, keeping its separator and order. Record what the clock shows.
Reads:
5:09
